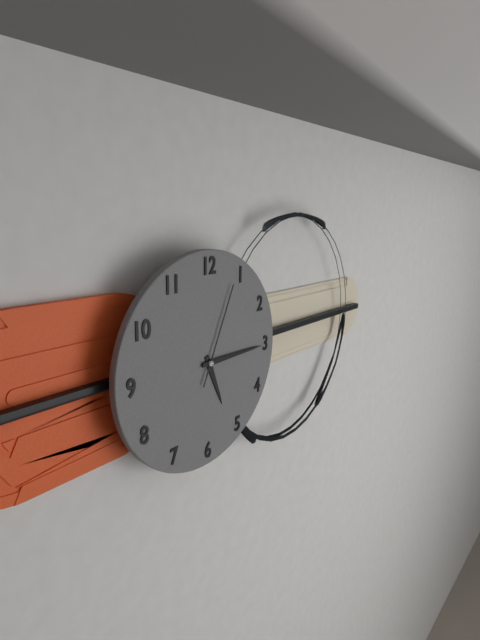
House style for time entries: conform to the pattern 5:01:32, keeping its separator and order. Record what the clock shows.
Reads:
5:15:04
